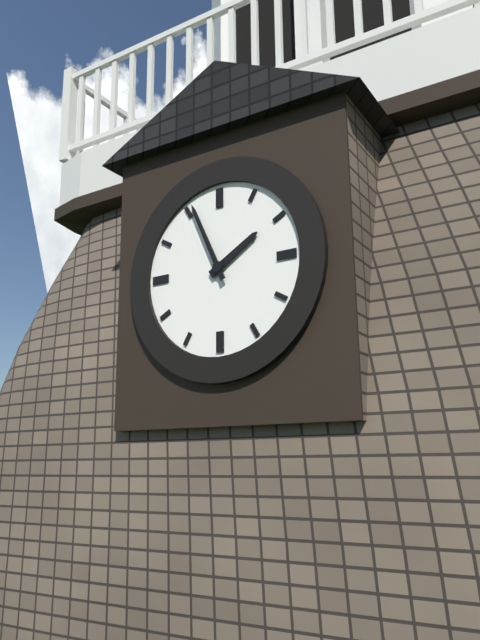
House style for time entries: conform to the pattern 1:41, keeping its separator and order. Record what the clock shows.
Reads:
1:56
